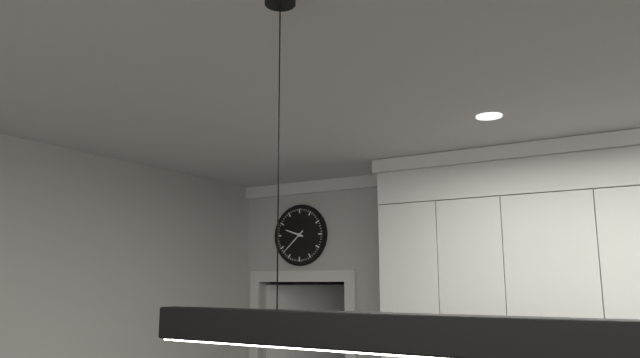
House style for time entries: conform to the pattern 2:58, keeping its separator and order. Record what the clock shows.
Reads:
9:38
